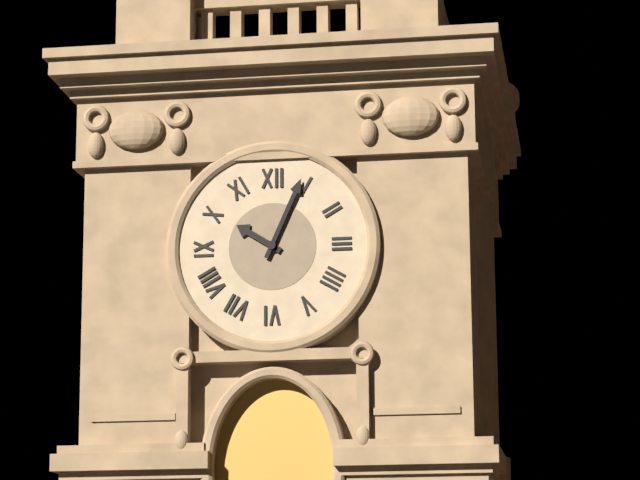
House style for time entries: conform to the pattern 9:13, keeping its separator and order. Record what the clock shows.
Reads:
10:04
